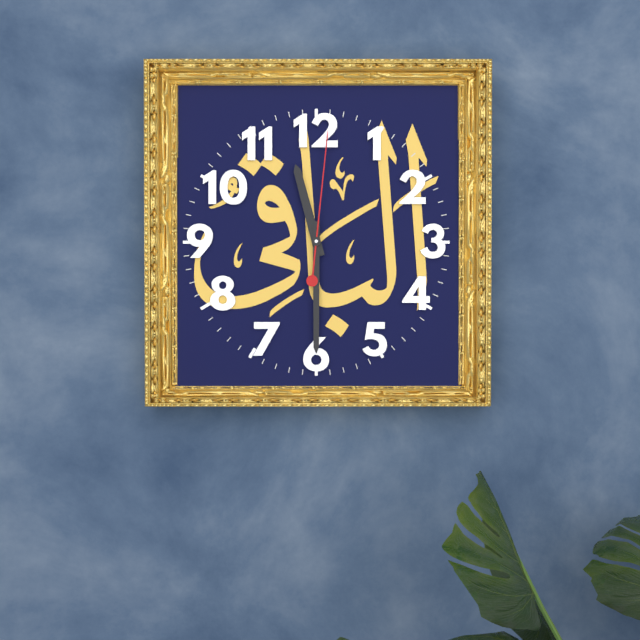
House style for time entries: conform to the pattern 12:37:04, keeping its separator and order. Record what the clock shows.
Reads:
11:30:01
